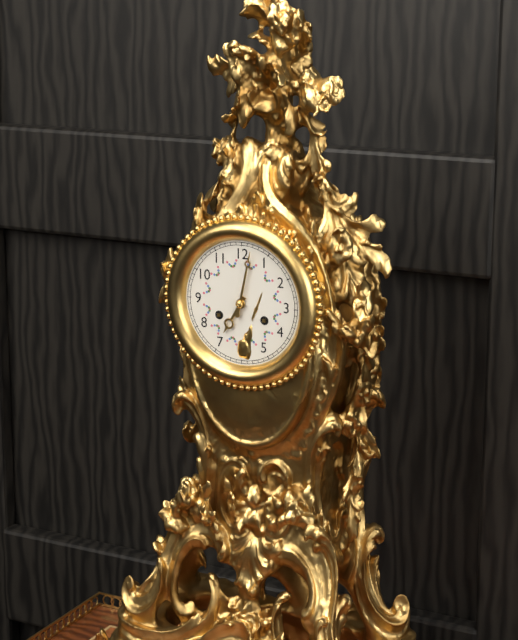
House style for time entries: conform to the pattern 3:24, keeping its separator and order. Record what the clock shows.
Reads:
7:02
